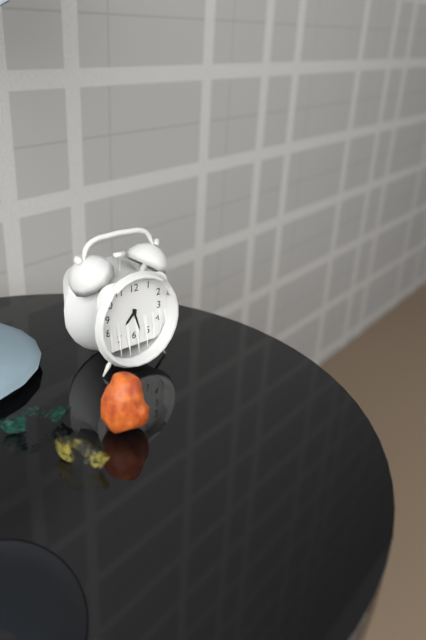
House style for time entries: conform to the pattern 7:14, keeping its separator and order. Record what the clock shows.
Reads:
7:27
